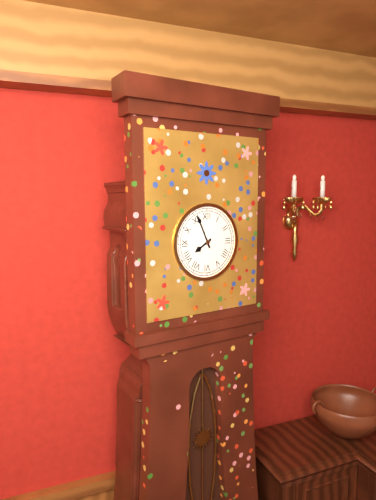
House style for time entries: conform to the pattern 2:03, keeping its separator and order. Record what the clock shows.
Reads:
7:56
